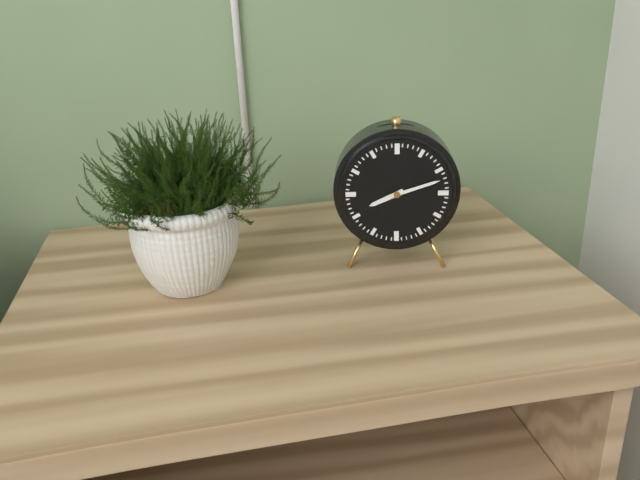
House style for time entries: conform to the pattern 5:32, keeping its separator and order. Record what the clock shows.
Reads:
8:12
